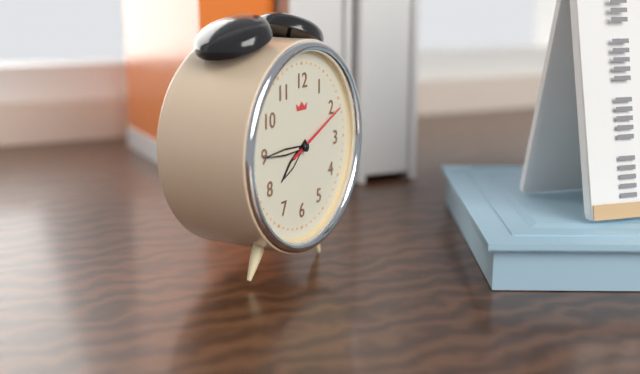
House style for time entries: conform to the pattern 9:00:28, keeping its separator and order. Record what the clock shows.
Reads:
7:45:11
